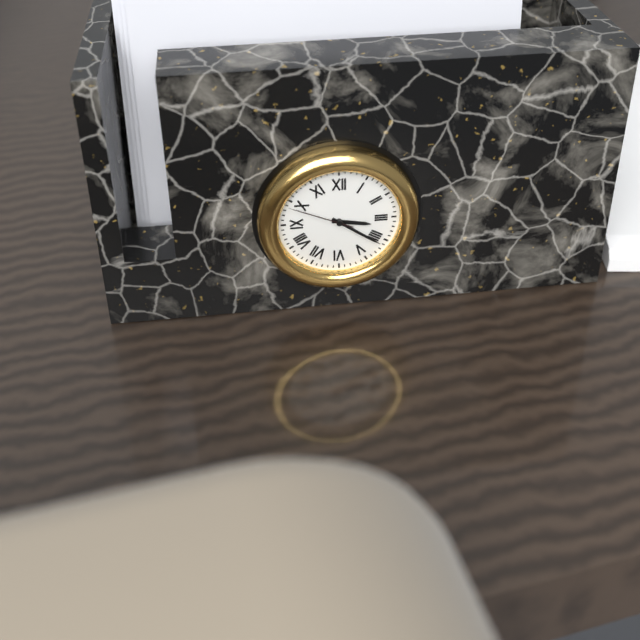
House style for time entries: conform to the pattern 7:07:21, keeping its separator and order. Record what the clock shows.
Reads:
3:21:49
